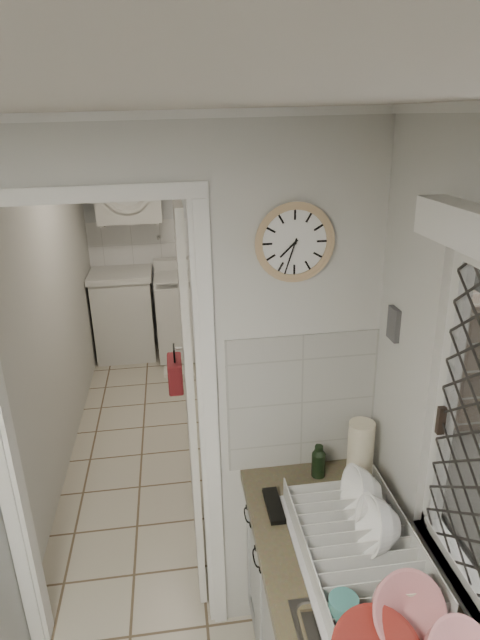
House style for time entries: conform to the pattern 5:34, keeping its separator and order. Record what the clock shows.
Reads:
7:33
